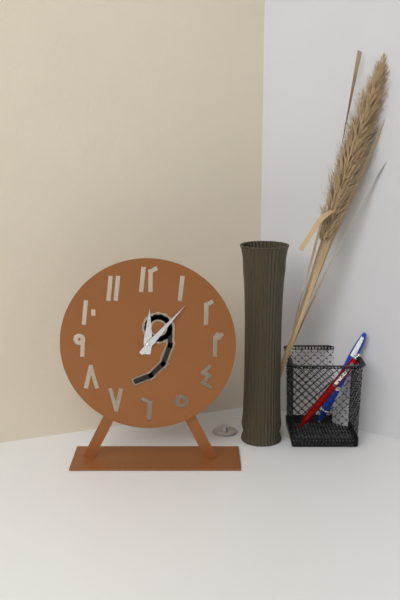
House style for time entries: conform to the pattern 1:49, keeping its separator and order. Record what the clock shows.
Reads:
12:07
